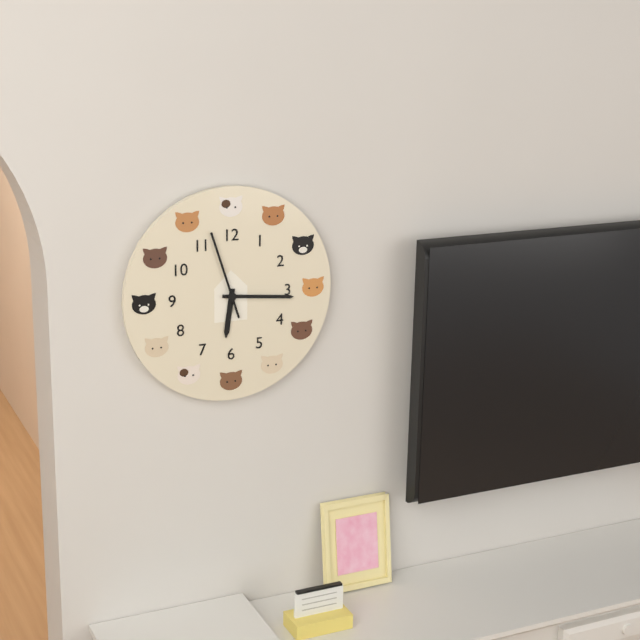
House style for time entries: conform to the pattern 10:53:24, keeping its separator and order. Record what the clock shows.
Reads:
6:16:57
